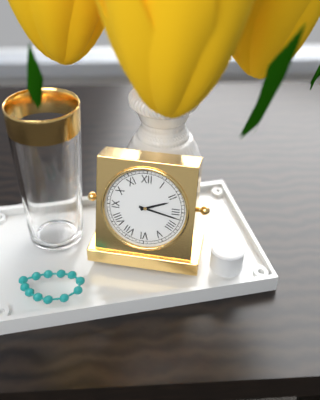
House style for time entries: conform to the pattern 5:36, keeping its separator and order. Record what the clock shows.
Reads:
2:17
